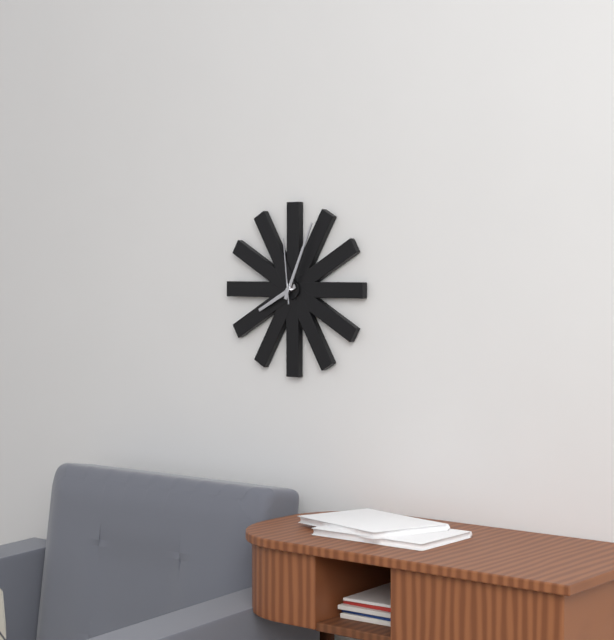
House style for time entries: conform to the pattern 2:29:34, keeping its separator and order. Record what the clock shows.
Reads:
8:04:59
